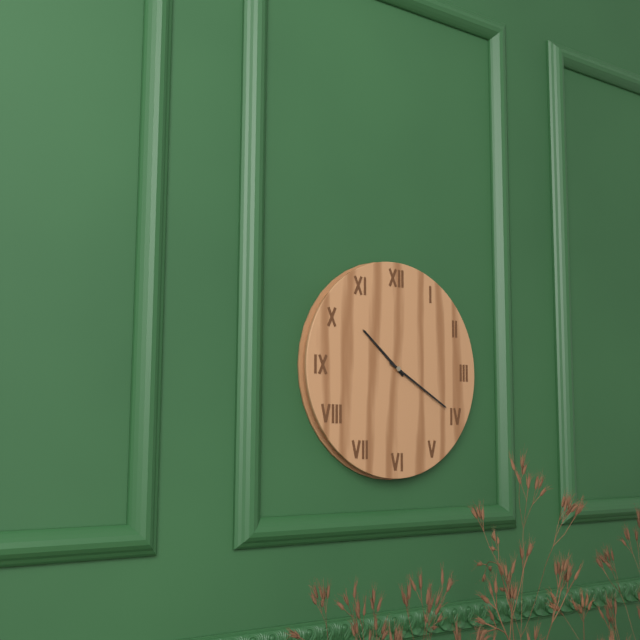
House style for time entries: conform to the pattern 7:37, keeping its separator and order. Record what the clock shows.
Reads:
10:20
